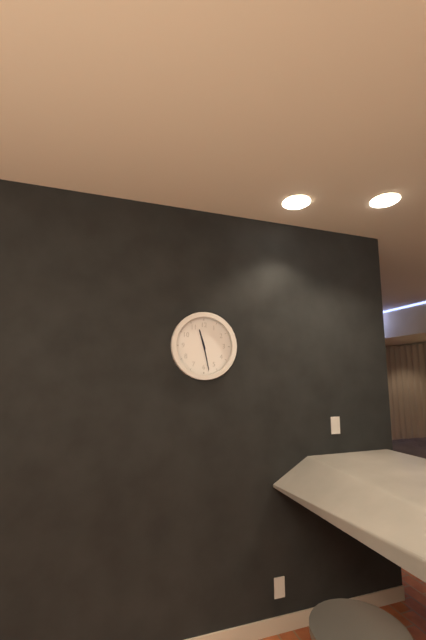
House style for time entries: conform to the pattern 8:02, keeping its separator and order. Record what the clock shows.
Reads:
11:28
